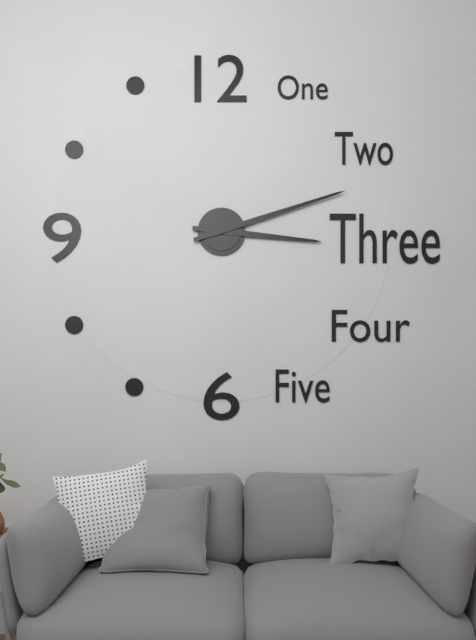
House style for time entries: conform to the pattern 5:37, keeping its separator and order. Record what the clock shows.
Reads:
3:12
